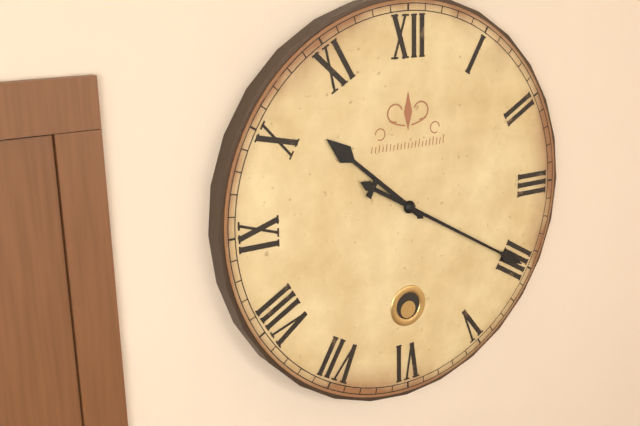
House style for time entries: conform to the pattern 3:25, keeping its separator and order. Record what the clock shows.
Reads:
10:20
